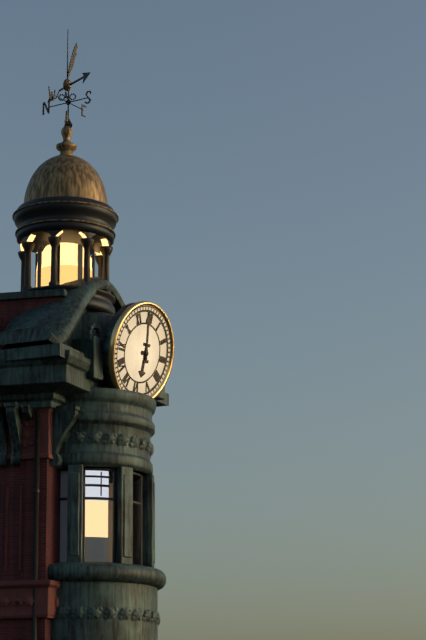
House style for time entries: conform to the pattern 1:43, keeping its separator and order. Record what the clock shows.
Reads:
5:58
